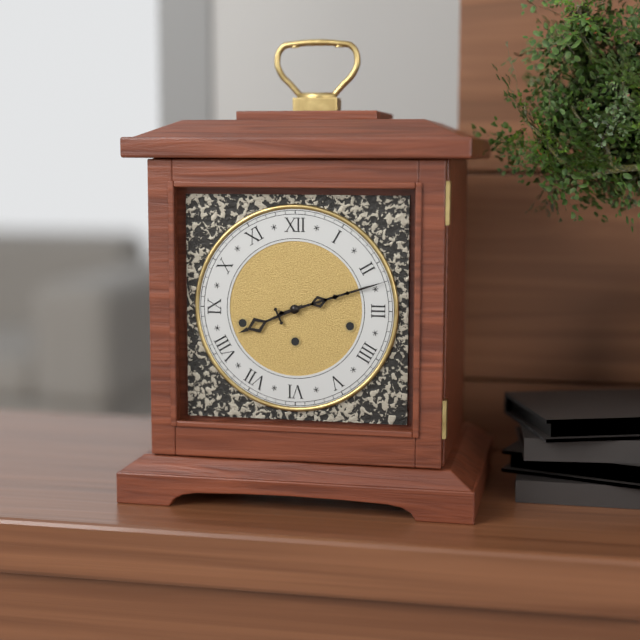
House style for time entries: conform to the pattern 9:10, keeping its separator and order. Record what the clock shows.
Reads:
8:12
